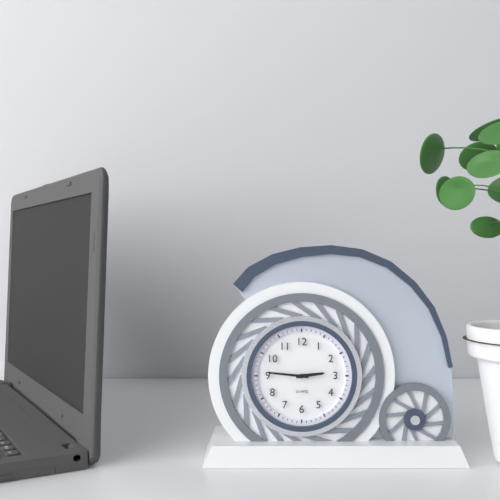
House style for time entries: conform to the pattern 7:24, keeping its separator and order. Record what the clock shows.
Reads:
2:46
